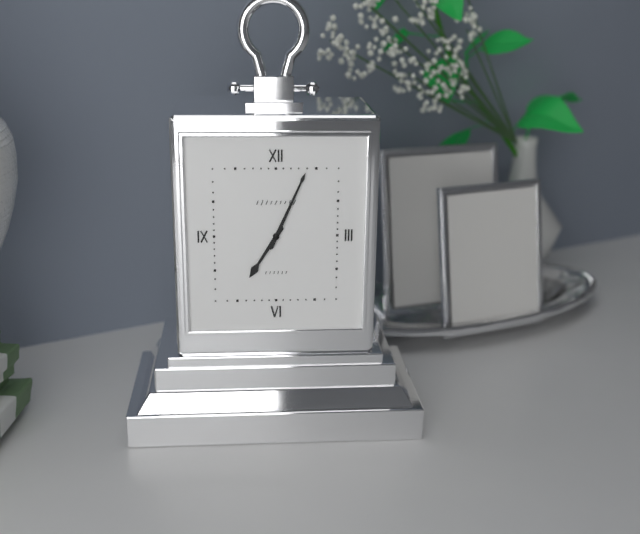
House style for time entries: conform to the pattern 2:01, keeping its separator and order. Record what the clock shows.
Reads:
7:04
